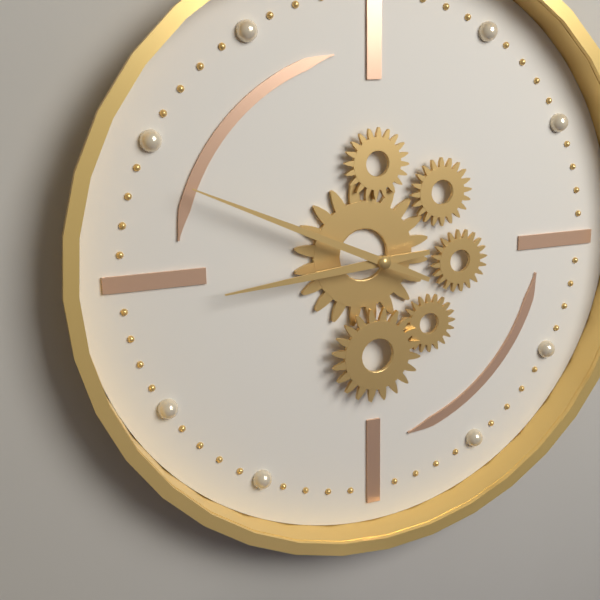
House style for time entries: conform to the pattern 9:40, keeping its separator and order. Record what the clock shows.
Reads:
8:49
